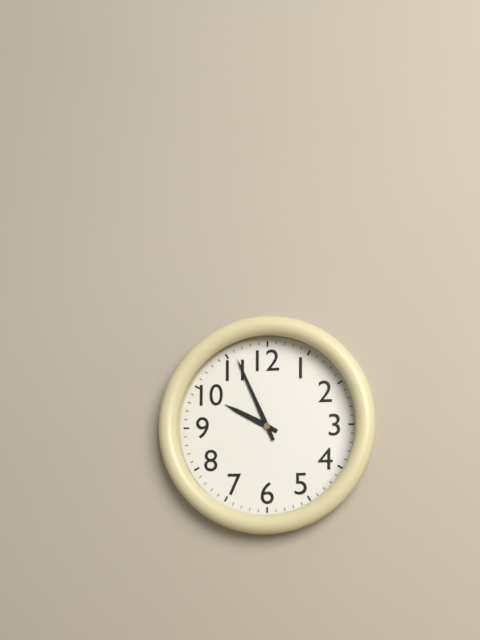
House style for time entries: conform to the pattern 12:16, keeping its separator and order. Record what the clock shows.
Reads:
9:56
